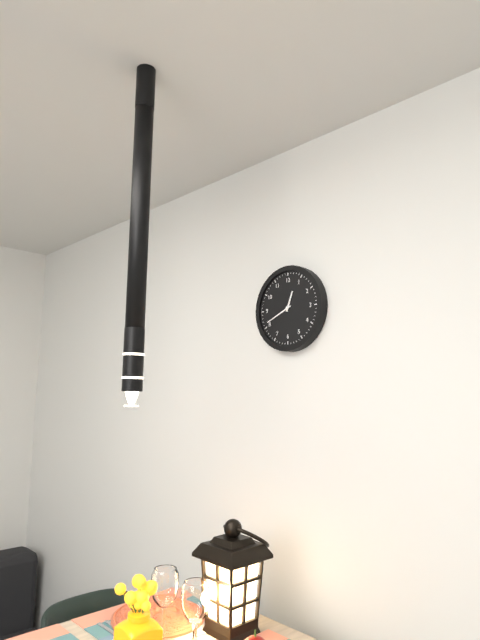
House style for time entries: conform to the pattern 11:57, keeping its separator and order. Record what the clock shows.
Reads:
12:41
